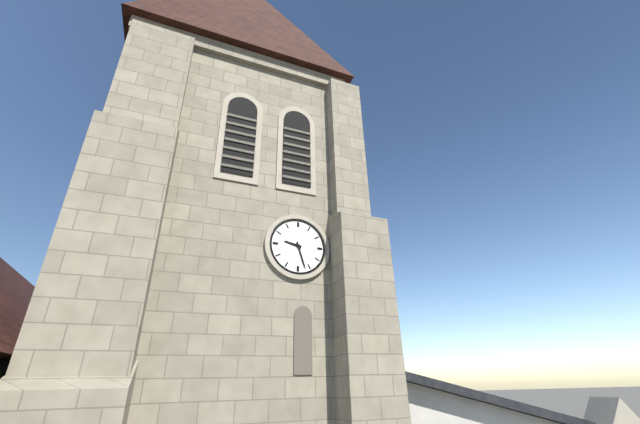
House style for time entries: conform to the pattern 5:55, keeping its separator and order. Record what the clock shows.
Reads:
9:27
